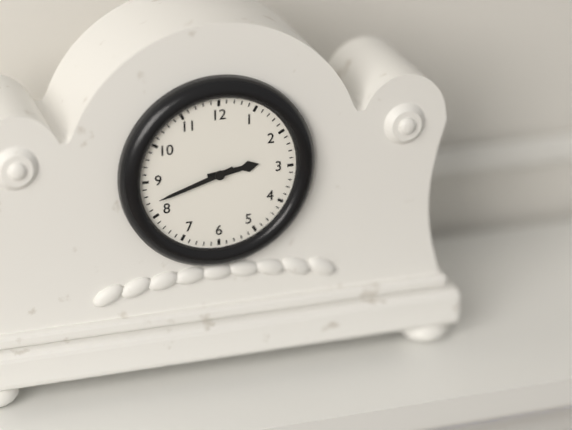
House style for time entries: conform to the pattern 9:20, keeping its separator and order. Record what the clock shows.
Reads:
2:42
